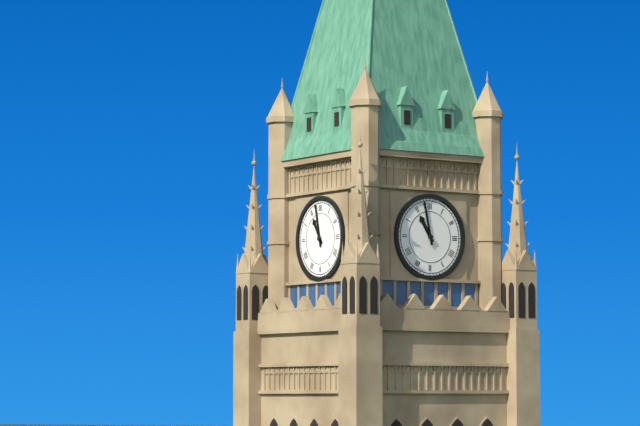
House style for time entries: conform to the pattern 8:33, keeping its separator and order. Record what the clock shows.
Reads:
10:58
